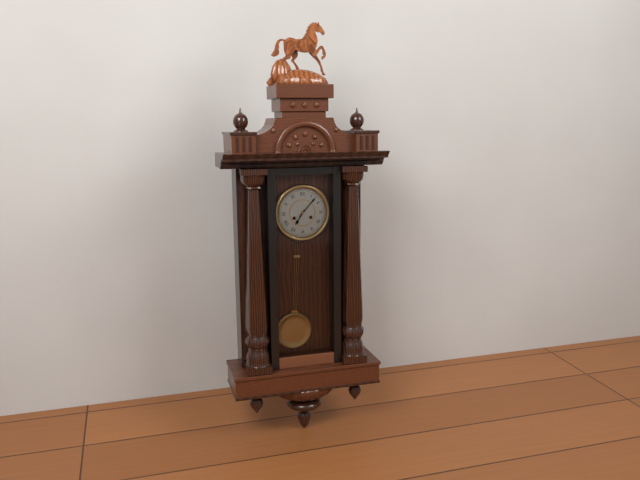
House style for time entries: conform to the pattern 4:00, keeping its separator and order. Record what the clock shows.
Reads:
7:07
